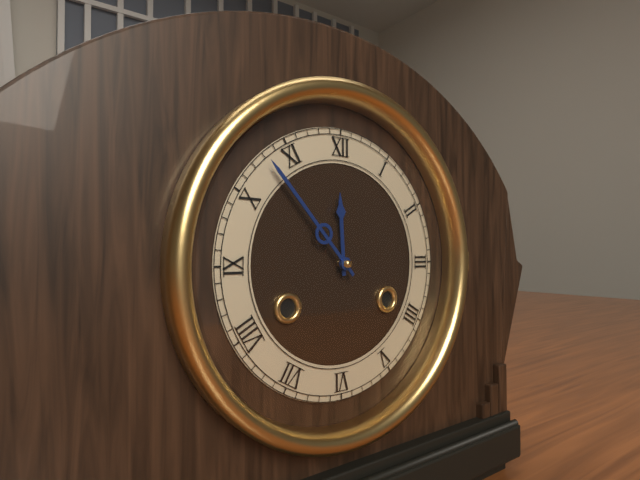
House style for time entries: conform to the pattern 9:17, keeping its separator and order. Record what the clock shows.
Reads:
11:53
